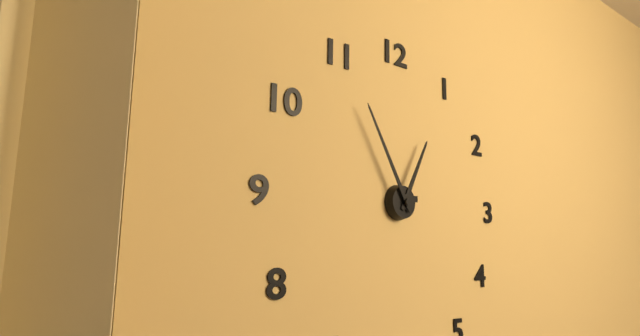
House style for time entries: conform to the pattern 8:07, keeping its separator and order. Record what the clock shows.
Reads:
12:55
